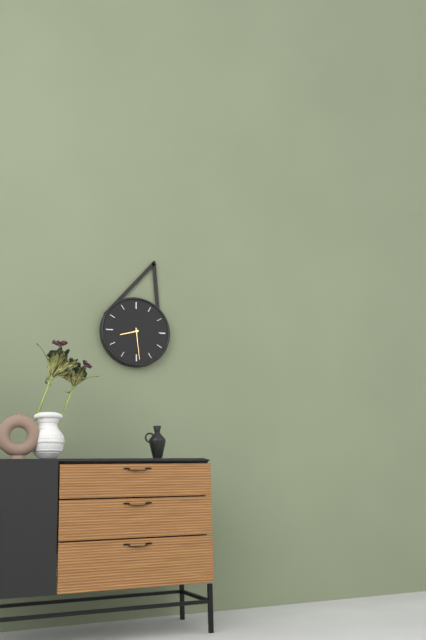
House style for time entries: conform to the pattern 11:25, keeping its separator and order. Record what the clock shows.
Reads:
8:29
